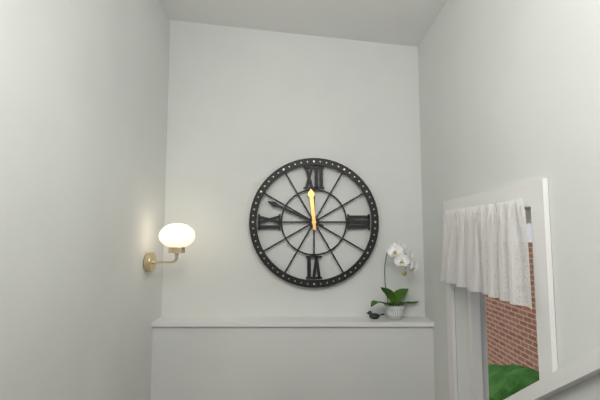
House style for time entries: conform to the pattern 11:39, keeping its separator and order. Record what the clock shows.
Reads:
11:49
